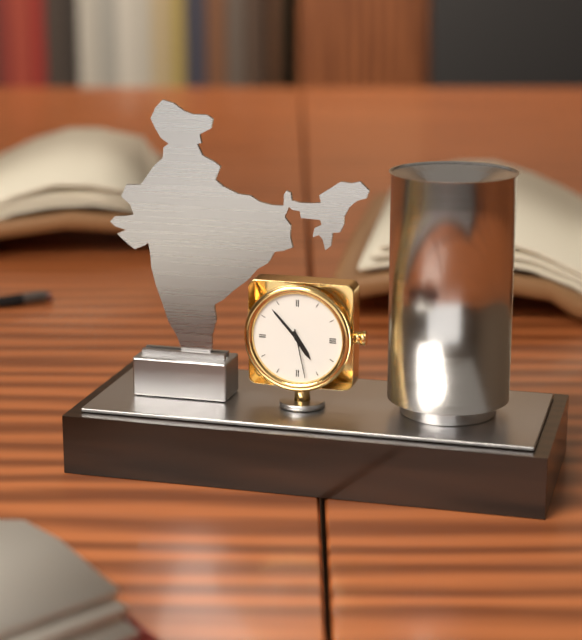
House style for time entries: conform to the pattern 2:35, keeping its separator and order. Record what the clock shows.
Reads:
4:53
